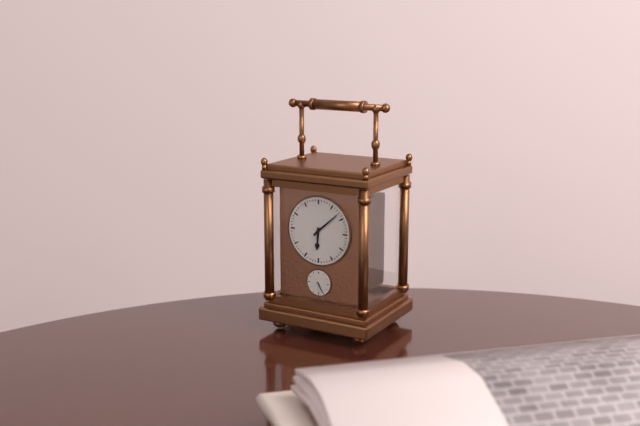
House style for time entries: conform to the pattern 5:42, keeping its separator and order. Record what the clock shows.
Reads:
6:08
